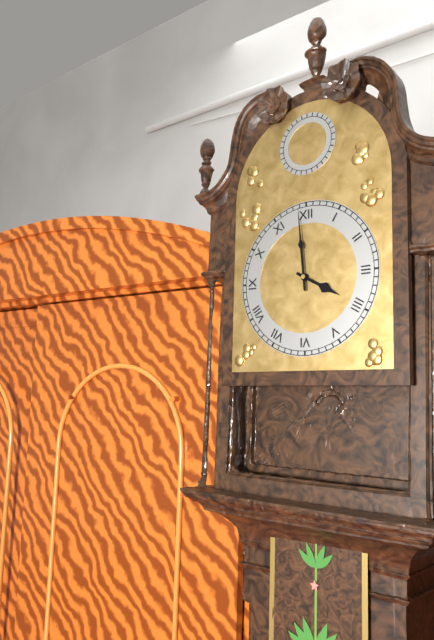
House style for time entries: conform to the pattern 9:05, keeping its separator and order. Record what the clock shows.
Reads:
3:59
